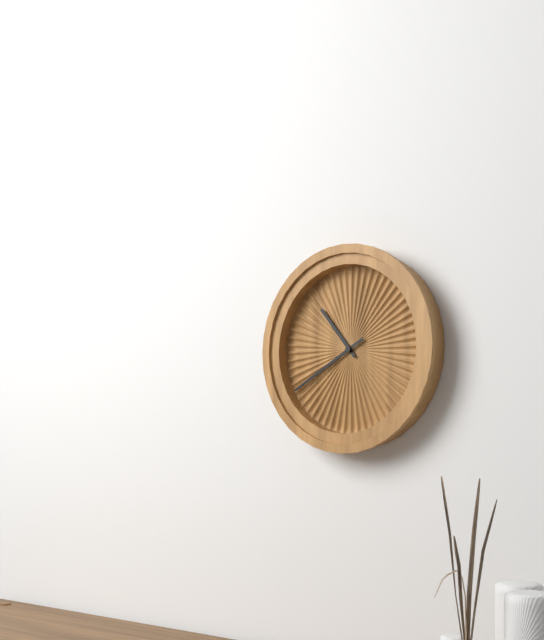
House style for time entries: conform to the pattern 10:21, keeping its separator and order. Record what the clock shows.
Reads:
10:40
